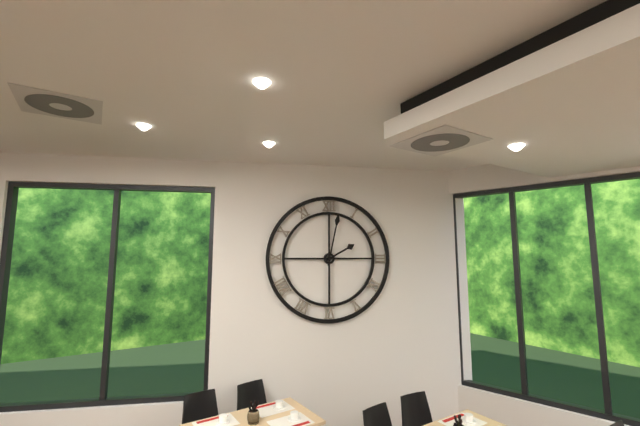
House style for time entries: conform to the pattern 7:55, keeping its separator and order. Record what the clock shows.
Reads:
2:02
